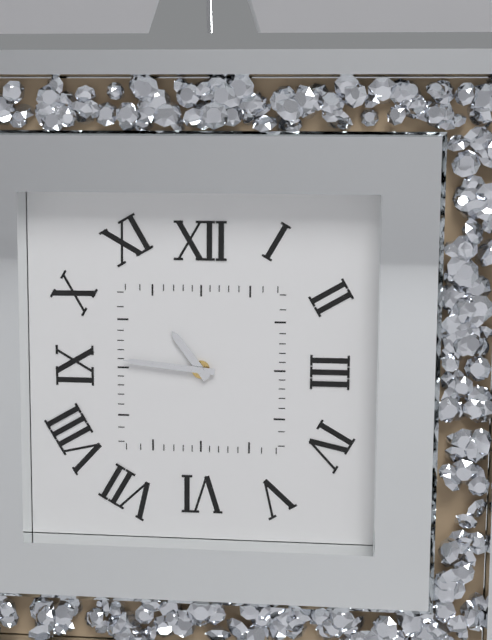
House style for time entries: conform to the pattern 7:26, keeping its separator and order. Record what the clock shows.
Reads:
10:46
